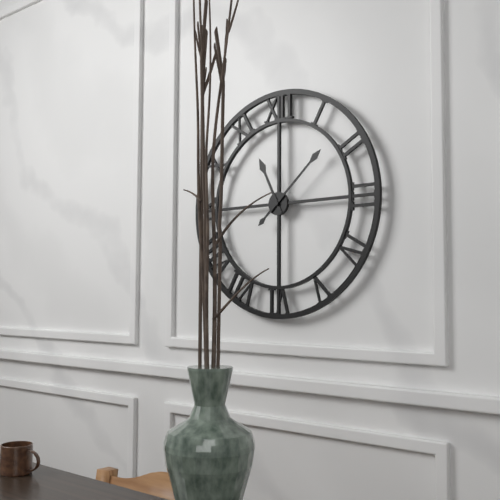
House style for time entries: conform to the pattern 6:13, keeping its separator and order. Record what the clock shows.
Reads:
11:08
